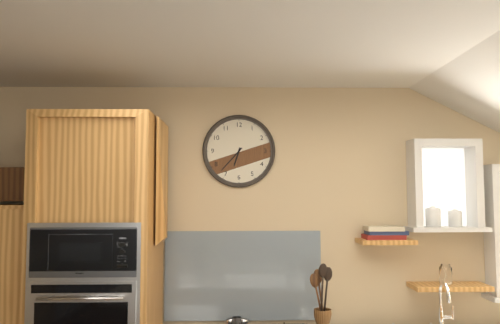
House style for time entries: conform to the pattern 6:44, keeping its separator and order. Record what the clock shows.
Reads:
6:37
